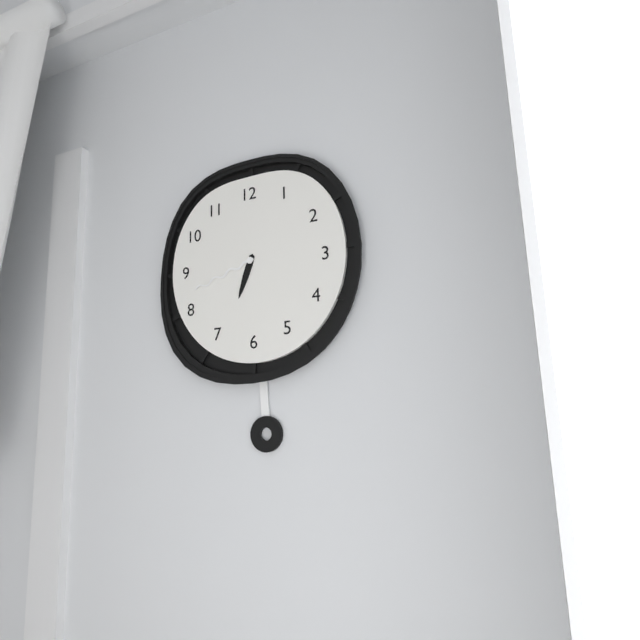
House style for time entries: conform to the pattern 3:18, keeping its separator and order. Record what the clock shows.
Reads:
6:42
